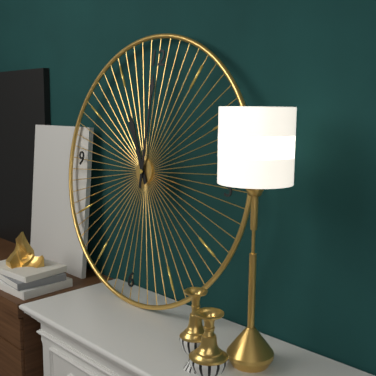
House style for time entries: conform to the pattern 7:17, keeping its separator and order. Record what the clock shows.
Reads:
11:00
